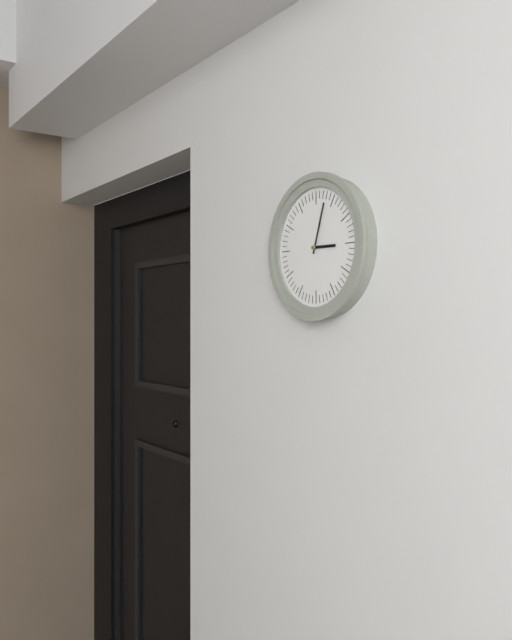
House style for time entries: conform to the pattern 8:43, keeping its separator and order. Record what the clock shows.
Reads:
3:03
